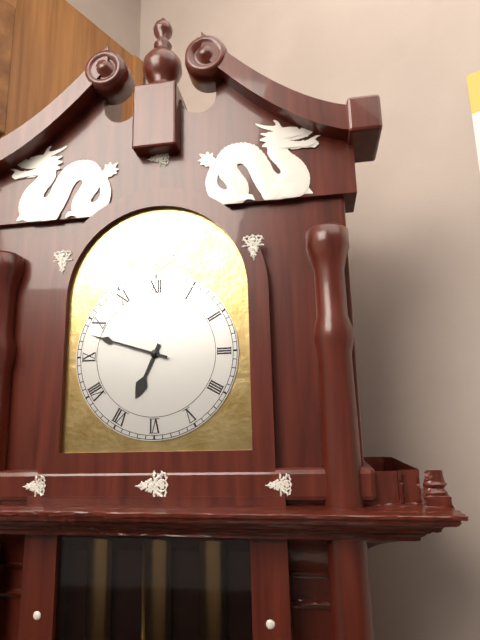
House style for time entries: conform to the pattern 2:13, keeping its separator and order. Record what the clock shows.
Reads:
6:48
